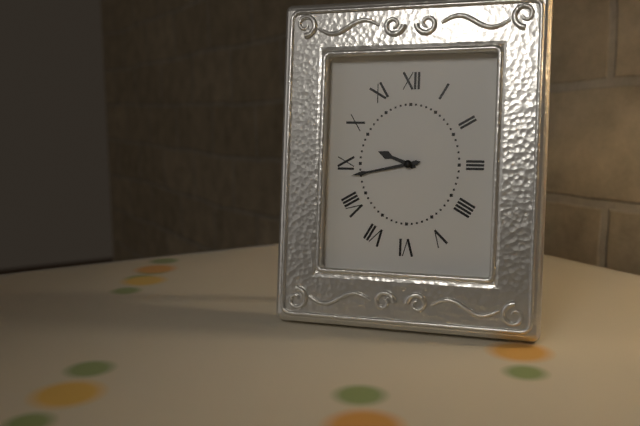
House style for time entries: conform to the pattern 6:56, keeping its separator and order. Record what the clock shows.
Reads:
9:43
